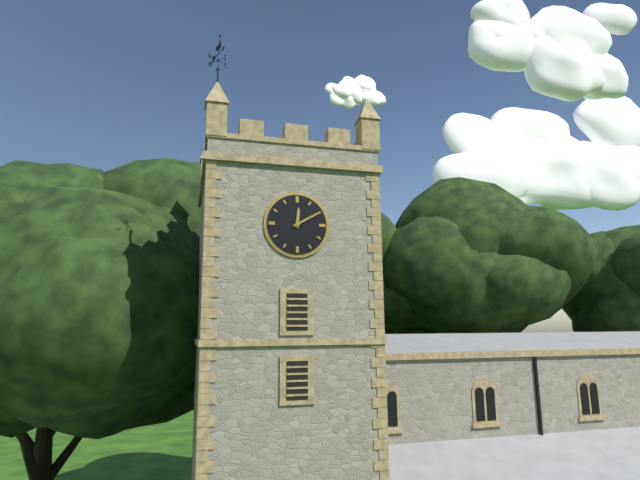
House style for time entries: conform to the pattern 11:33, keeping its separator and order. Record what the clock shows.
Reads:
12:10
